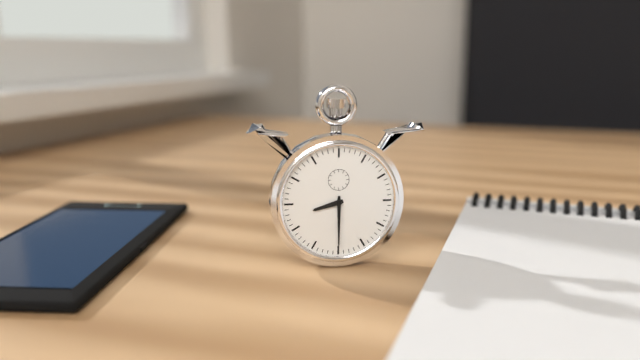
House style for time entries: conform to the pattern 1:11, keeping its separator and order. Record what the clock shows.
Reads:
8:30
